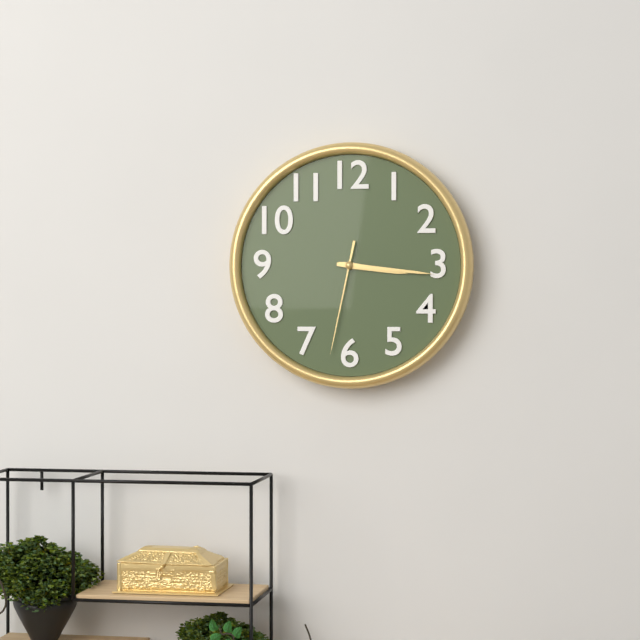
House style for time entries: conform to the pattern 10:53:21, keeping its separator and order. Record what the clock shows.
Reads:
3:16:32
